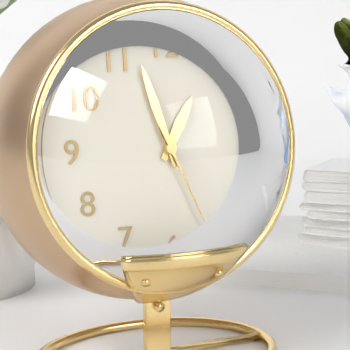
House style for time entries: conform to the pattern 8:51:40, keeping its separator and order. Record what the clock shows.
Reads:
12:57:26
